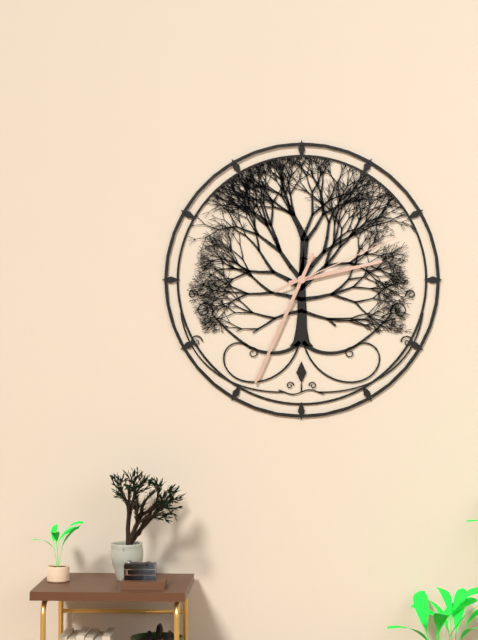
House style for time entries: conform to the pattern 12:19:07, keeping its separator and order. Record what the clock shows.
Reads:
2:34:11
